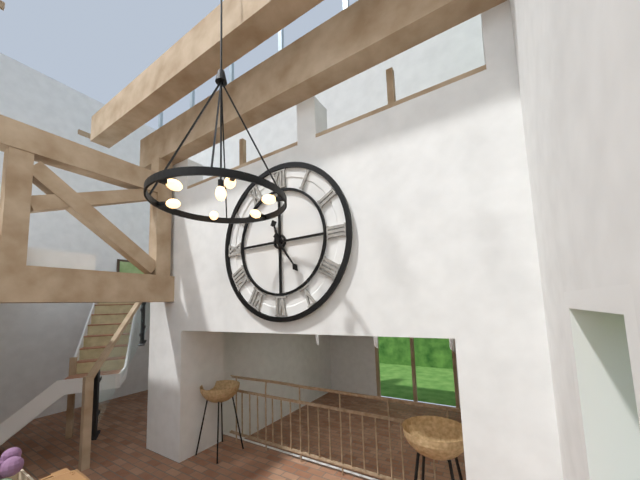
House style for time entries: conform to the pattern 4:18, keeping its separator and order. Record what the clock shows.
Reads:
11:24
